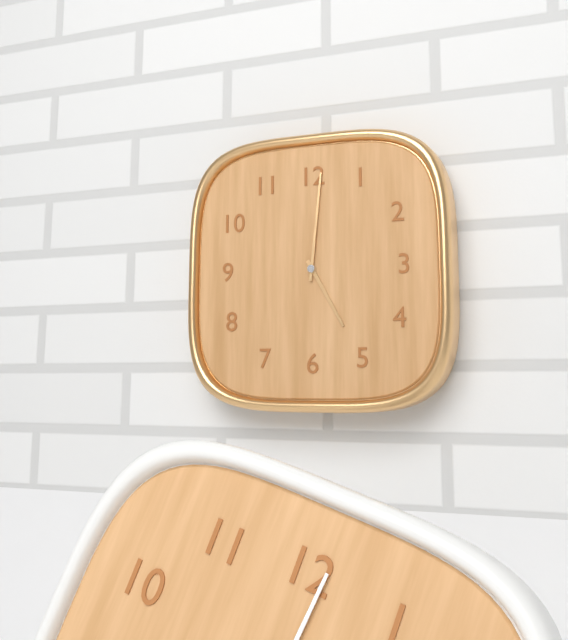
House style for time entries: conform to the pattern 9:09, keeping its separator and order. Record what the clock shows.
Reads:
5:01
